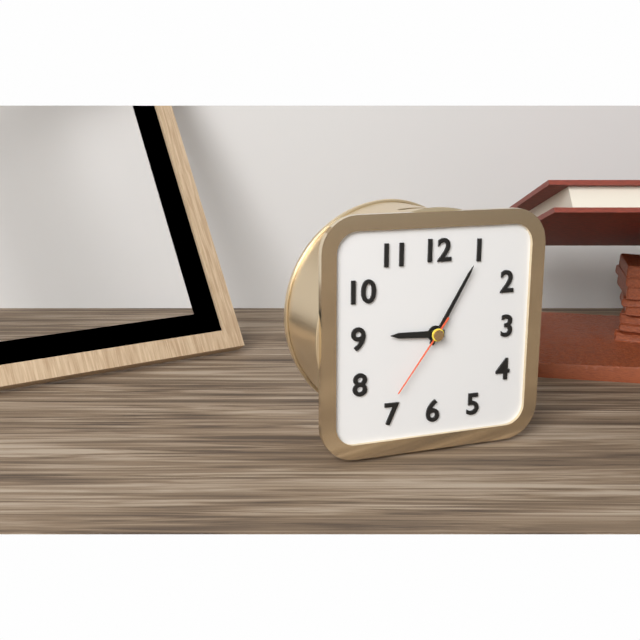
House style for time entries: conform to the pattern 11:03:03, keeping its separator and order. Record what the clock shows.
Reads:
9:05:36
